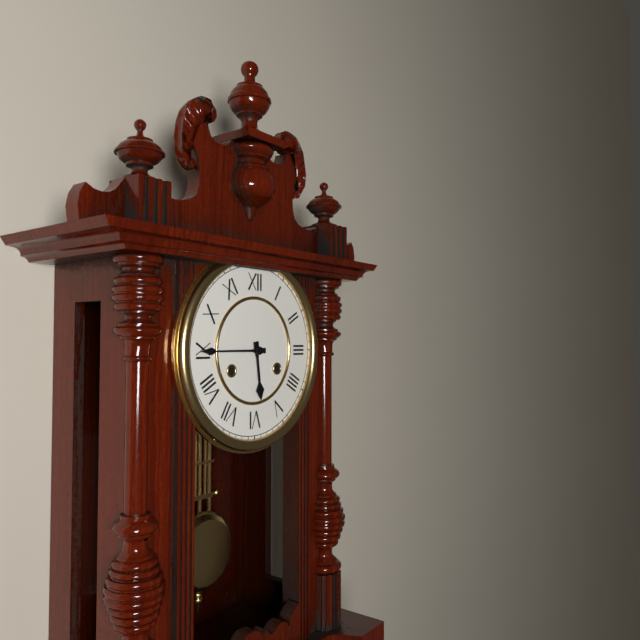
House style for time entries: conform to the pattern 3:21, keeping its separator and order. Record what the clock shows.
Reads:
5:45
